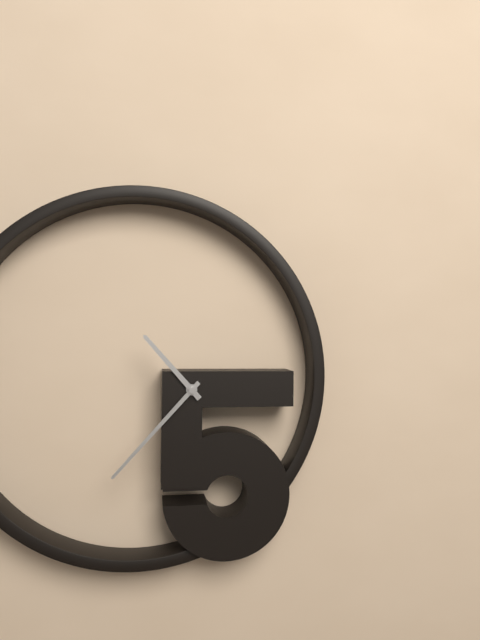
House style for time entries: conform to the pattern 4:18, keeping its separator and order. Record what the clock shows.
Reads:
10:37
